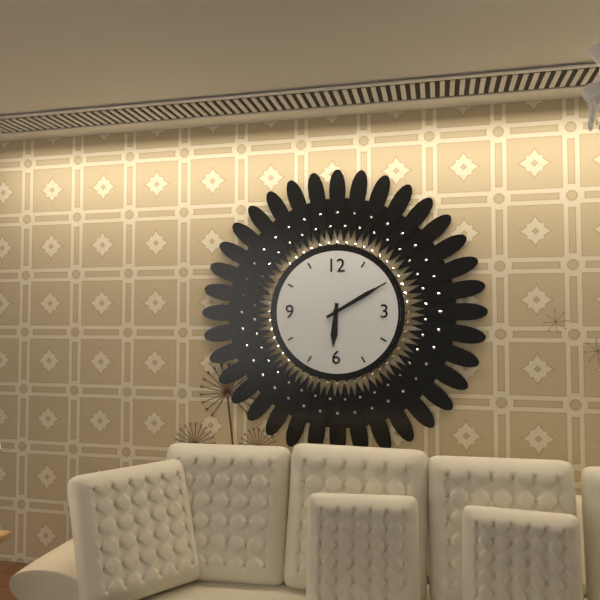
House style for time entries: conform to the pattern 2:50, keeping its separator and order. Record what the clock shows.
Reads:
6:10
